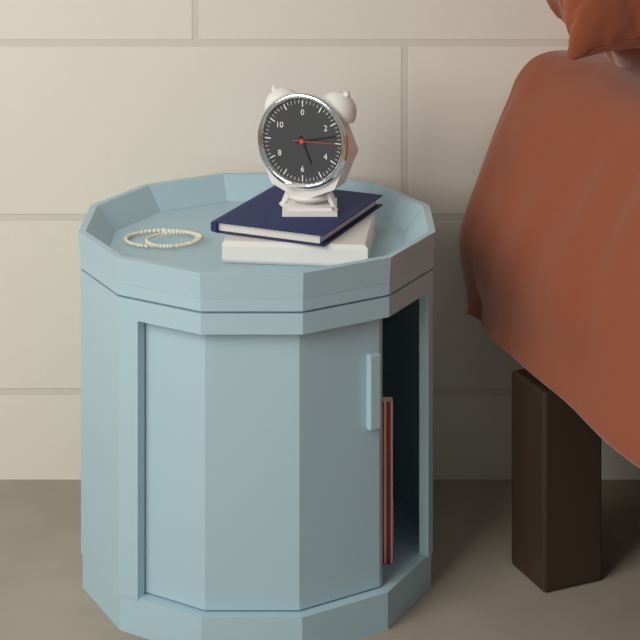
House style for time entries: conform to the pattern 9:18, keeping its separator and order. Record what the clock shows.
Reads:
5:13
